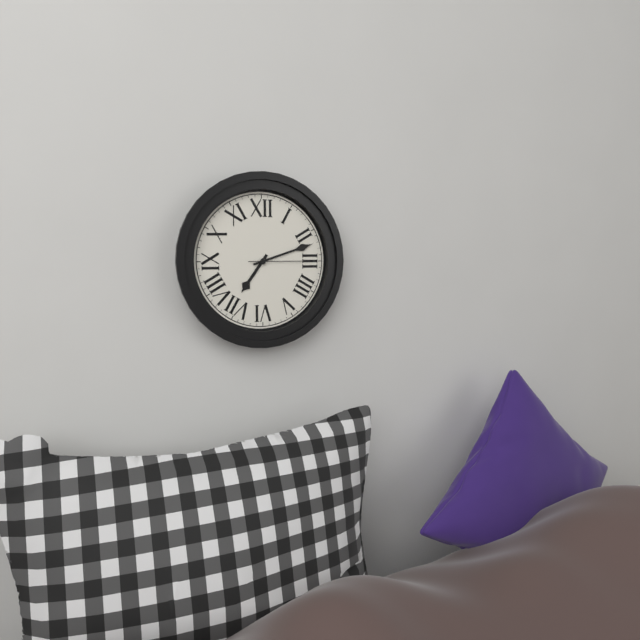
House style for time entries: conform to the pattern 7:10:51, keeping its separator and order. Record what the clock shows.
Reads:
7:12:15
